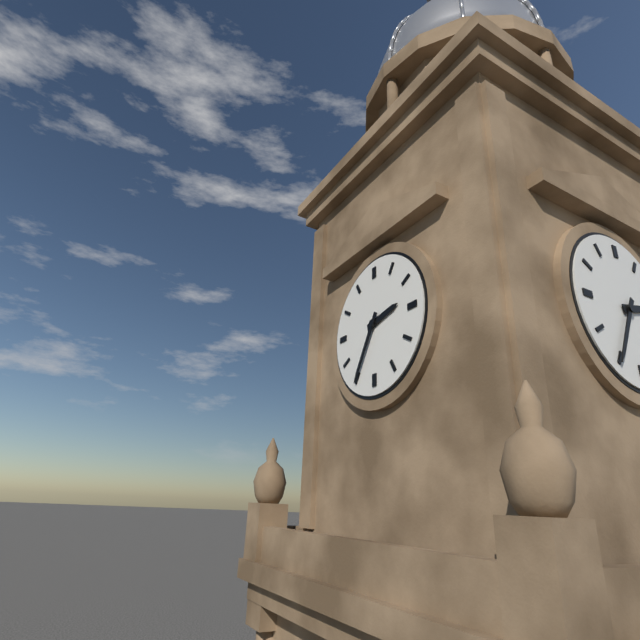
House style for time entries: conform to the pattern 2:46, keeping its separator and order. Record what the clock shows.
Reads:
2:35
